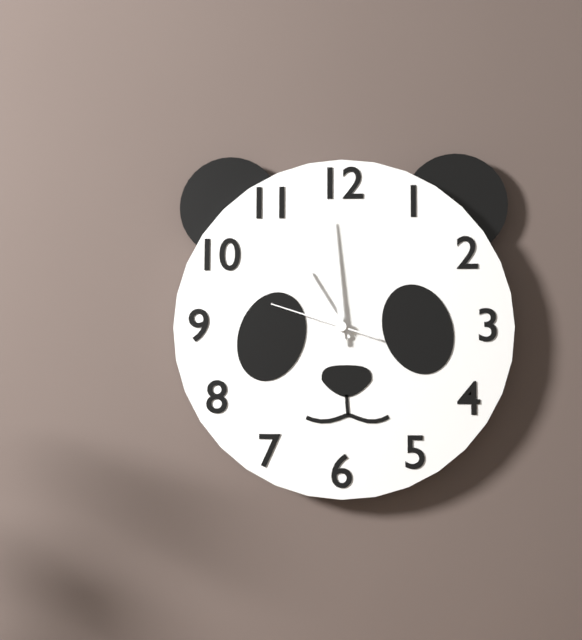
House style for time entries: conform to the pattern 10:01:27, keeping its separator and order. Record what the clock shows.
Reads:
10:59:48
